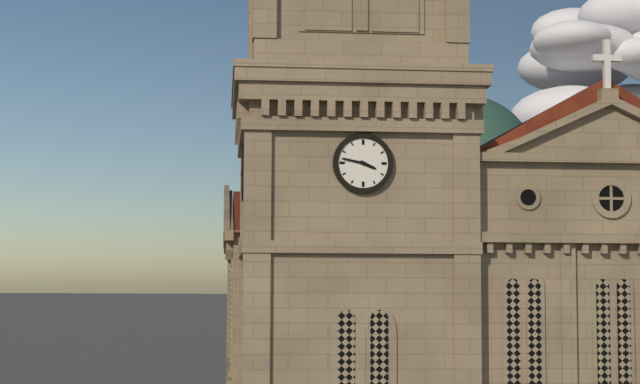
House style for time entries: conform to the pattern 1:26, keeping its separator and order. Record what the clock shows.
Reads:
3:47
